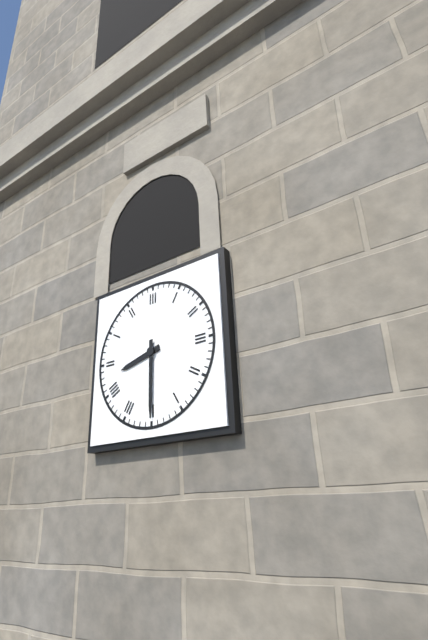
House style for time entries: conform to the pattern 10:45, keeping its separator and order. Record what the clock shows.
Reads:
8:30
